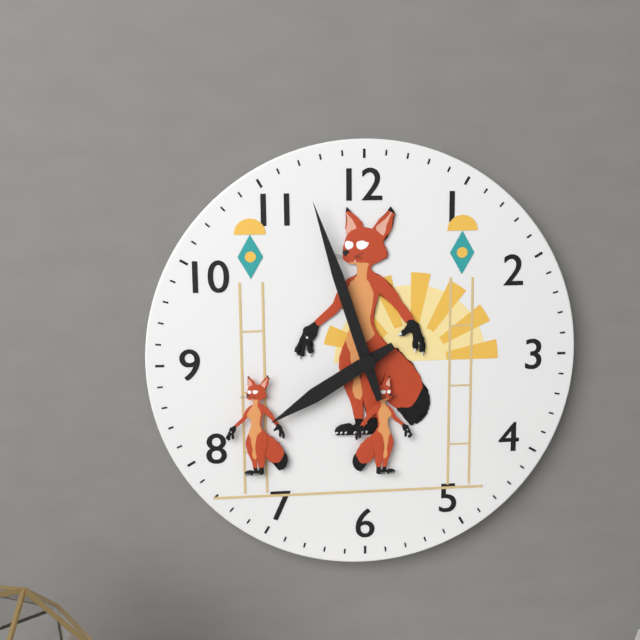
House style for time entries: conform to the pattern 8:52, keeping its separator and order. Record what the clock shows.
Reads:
7:57
